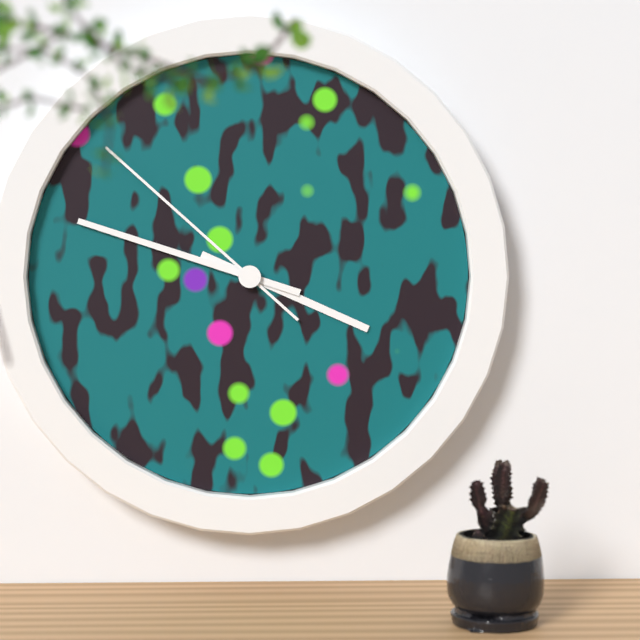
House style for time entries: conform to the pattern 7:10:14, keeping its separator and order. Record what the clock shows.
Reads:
3:48:52
